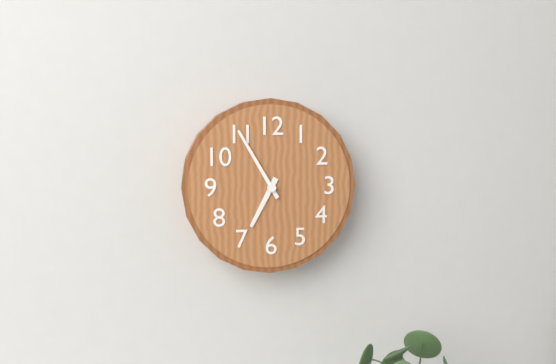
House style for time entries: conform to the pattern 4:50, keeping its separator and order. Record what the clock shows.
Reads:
6:55
